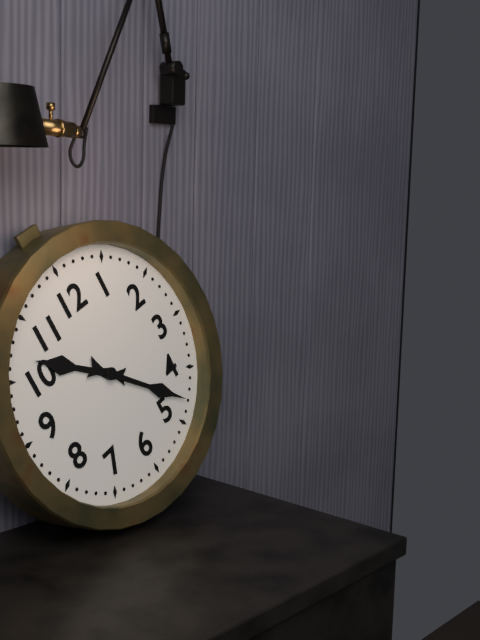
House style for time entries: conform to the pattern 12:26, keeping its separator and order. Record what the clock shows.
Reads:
10:23
